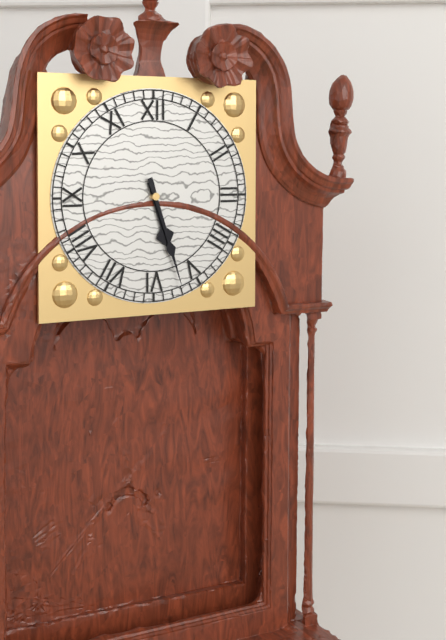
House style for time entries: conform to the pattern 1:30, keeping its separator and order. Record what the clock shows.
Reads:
5:27
